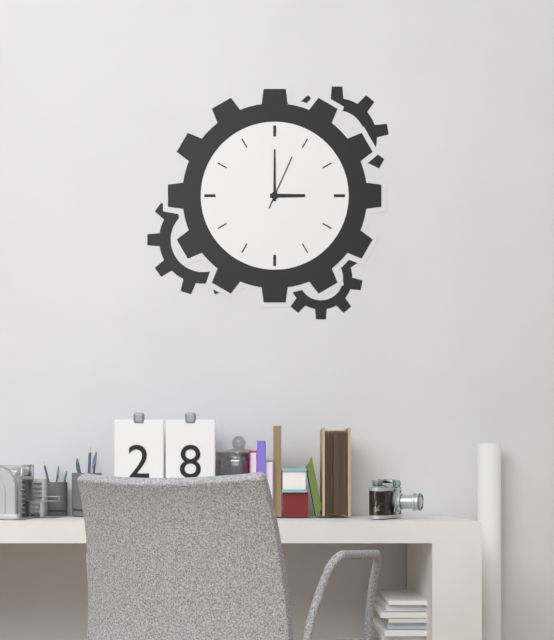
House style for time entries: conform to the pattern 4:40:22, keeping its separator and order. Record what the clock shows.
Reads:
3:00:04
